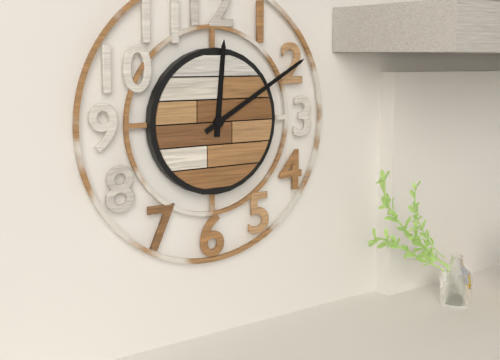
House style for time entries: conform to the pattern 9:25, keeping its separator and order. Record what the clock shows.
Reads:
12:10
